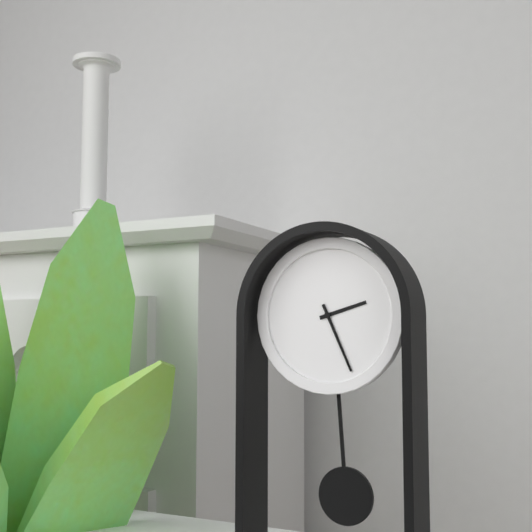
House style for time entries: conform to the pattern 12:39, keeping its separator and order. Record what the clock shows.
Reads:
2:26
